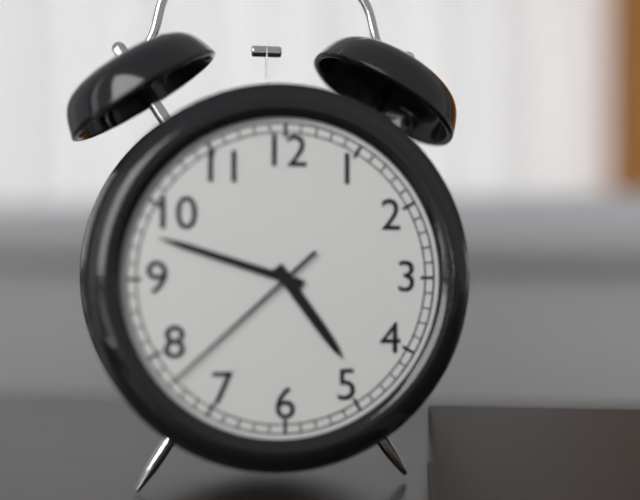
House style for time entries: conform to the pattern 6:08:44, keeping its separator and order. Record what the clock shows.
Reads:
4:48:38
